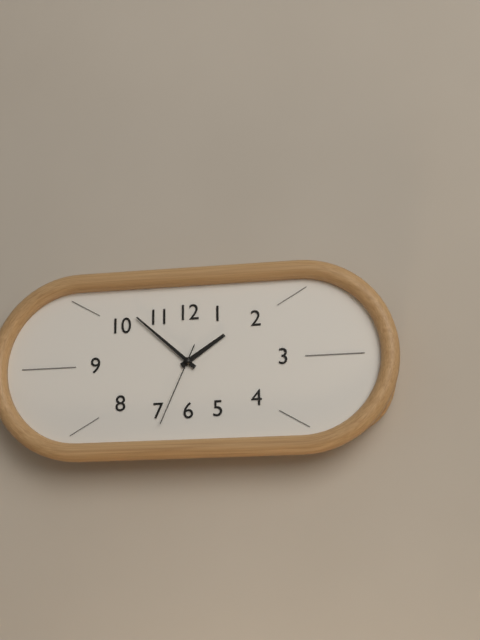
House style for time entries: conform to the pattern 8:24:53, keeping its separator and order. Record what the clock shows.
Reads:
1:52:34
